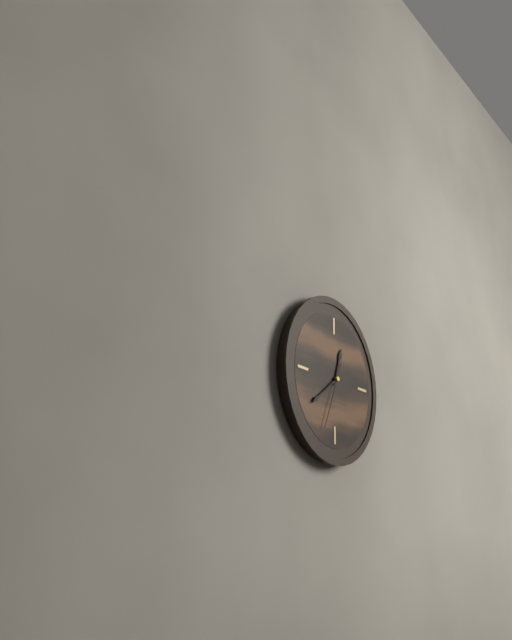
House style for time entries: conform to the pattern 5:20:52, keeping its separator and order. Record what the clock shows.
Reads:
12:39:34
